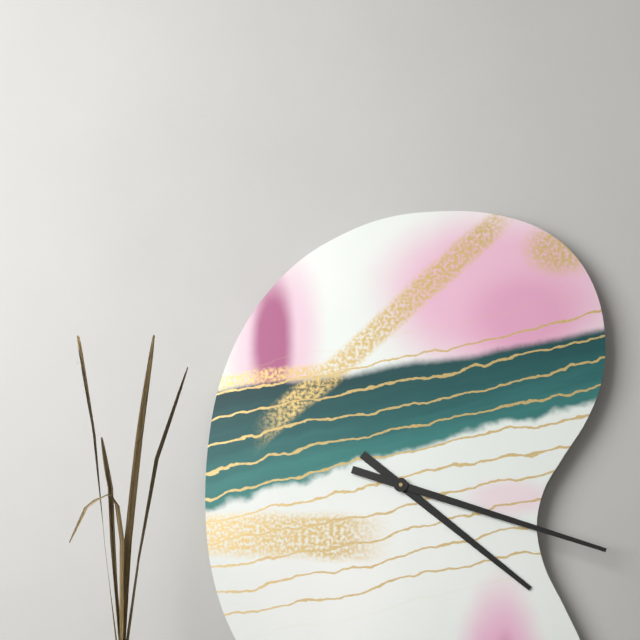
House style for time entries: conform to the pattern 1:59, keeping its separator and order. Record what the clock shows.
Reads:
4:18
